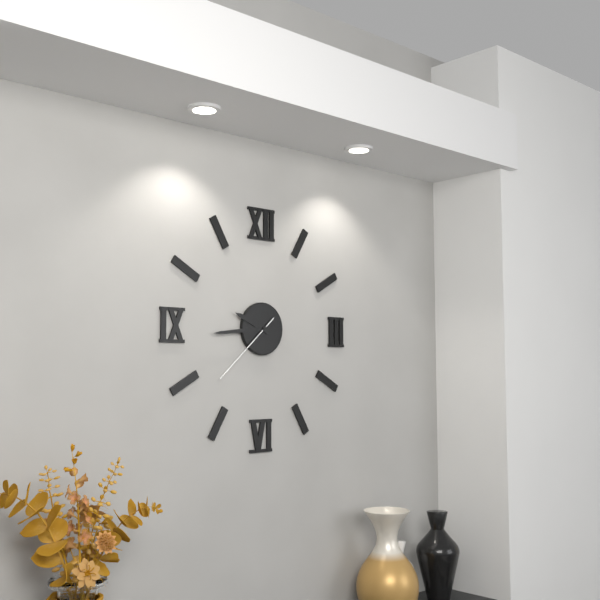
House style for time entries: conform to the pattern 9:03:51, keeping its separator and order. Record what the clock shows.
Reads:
9:44:38
